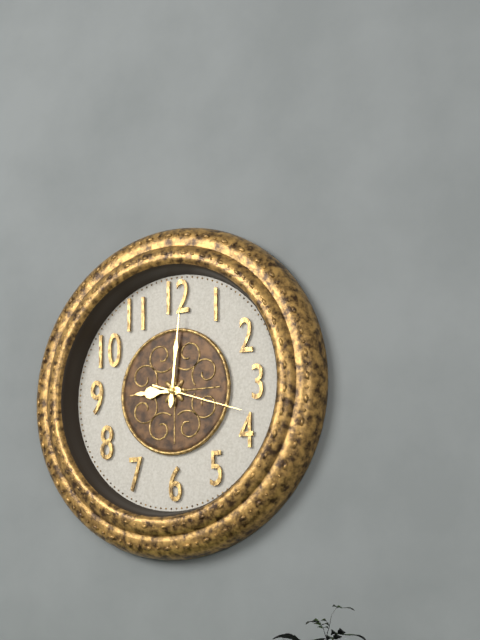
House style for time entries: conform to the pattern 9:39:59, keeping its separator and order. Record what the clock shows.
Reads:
9:01:18
